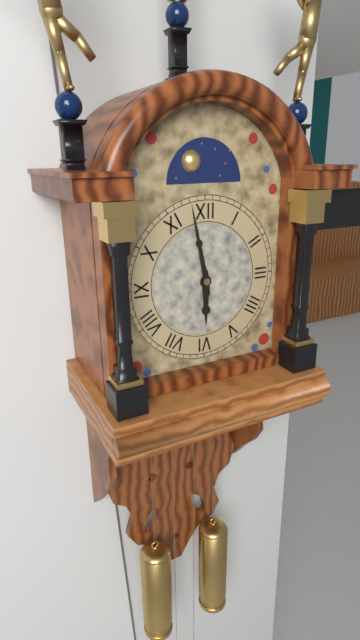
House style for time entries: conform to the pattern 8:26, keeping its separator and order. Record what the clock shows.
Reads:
5:58
